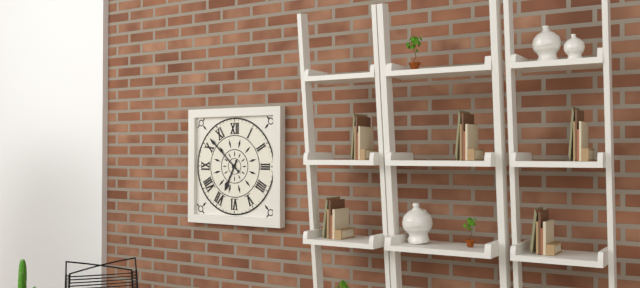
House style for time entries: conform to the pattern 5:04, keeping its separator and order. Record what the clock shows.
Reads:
6:52
